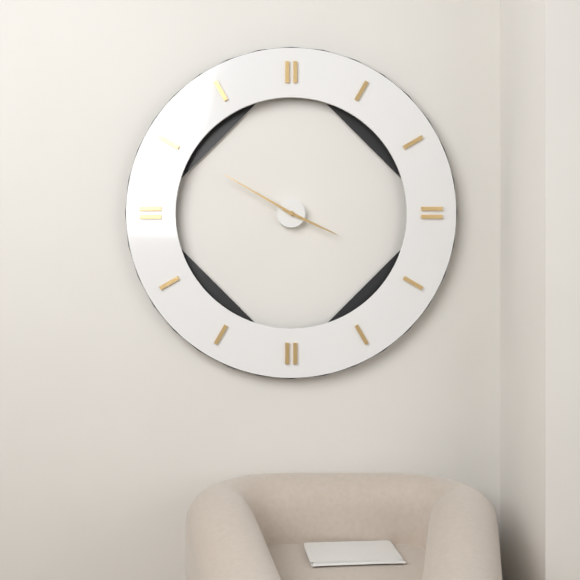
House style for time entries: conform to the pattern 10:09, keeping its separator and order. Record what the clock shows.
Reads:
3:50
